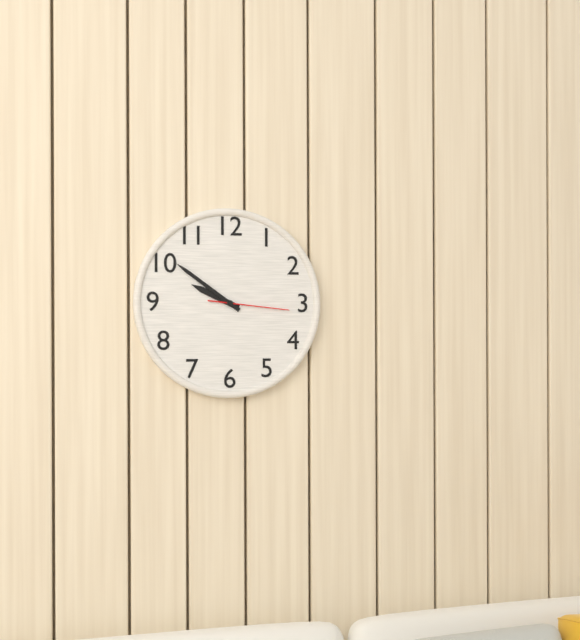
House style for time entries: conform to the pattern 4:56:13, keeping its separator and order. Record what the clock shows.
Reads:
9:51:16
